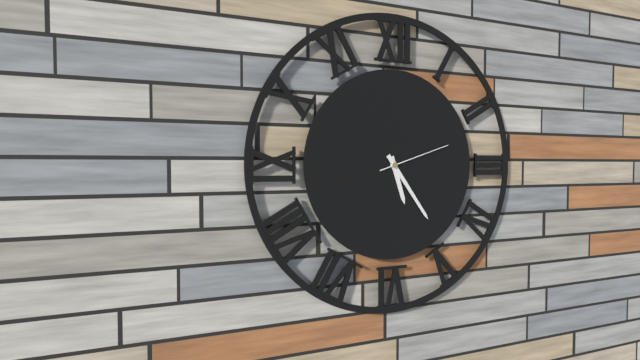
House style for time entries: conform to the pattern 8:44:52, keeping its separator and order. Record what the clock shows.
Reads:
5:24:12
